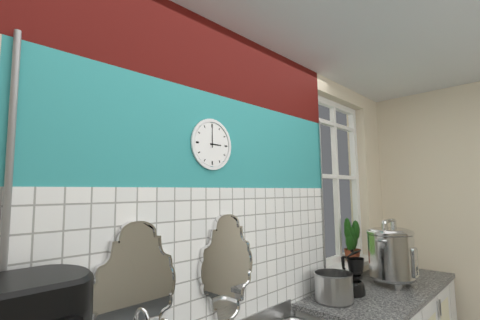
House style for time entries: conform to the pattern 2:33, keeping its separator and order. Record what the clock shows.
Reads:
3:00
